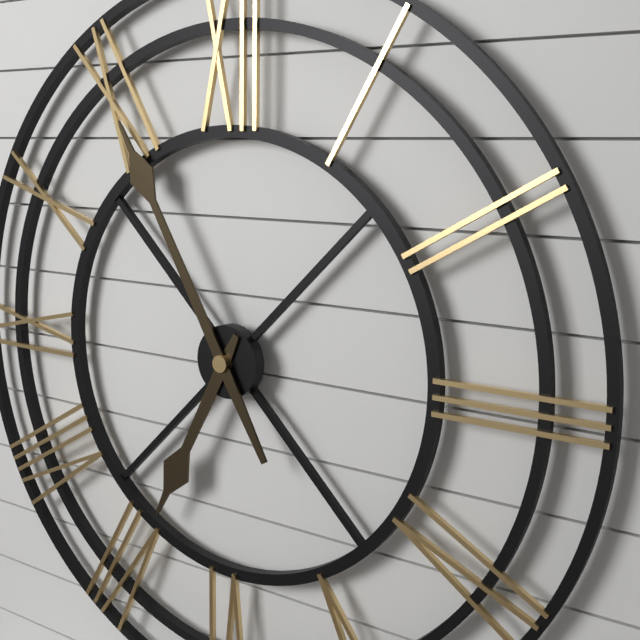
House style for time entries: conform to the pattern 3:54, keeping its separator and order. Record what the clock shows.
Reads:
6:55
